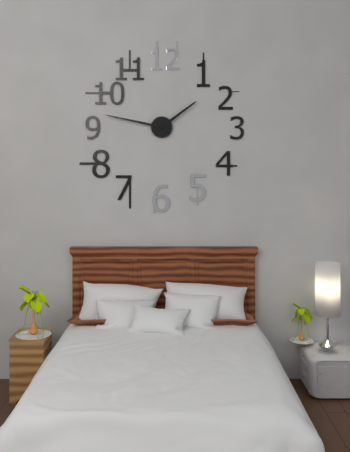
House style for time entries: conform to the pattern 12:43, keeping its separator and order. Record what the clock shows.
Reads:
1:47
